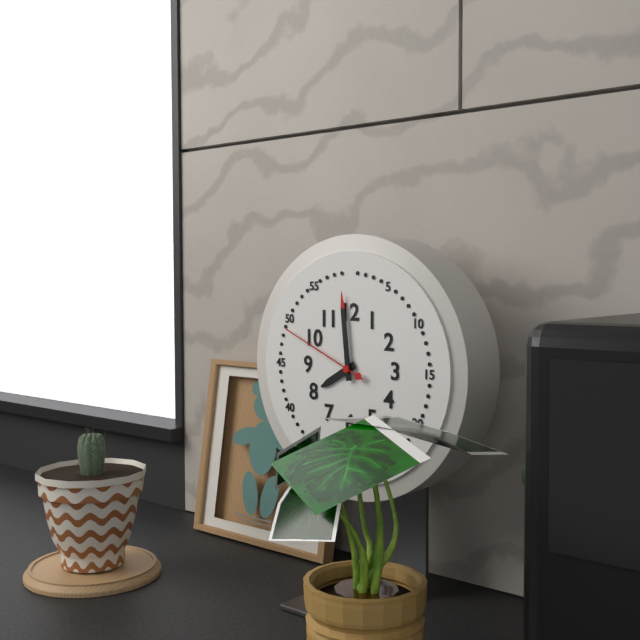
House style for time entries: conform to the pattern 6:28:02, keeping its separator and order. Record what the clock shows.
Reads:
7:59:49
